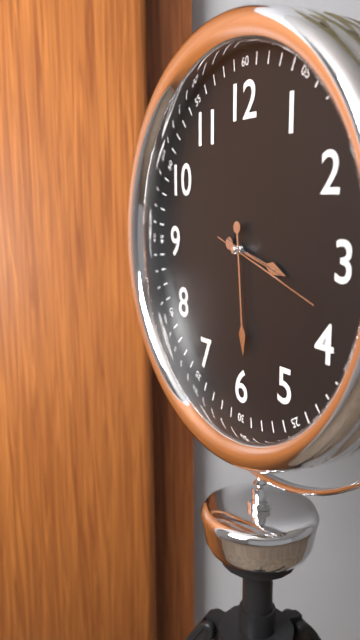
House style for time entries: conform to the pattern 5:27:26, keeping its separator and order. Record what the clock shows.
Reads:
3:29:18
